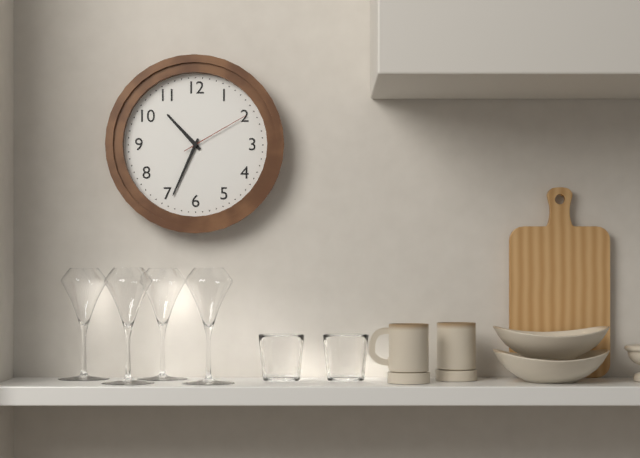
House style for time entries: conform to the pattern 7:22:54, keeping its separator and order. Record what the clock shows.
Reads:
10:34:10
